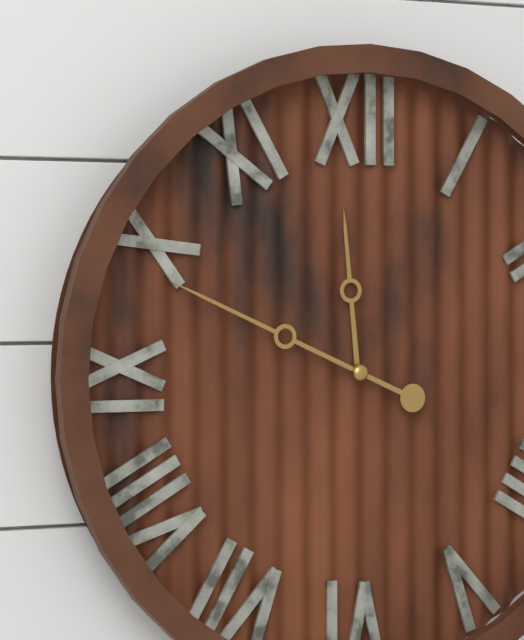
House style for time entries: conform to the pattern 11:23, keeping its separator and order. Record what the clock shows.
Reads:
11:49
